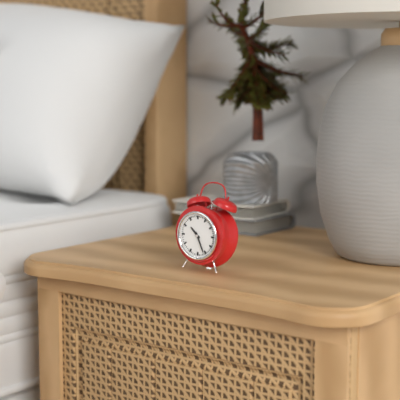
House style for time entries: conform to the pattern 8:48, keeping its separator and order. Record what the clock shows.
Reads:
10:26
